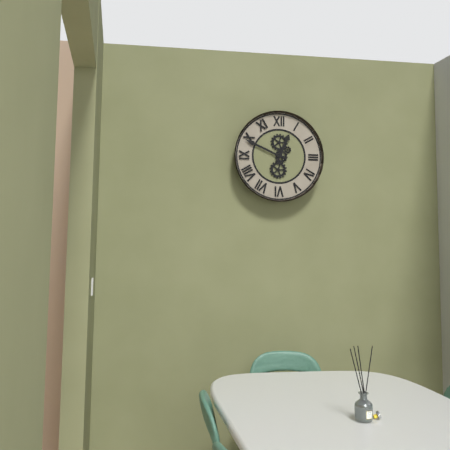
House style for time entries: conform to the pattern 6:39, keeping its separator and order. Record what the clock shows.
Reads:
12:49
